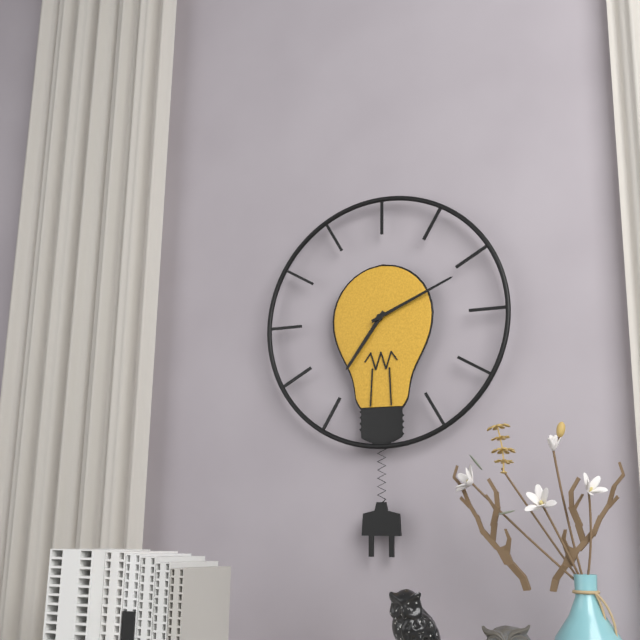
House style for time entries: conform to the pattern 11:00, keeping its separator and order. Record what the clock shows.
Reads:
7:11
